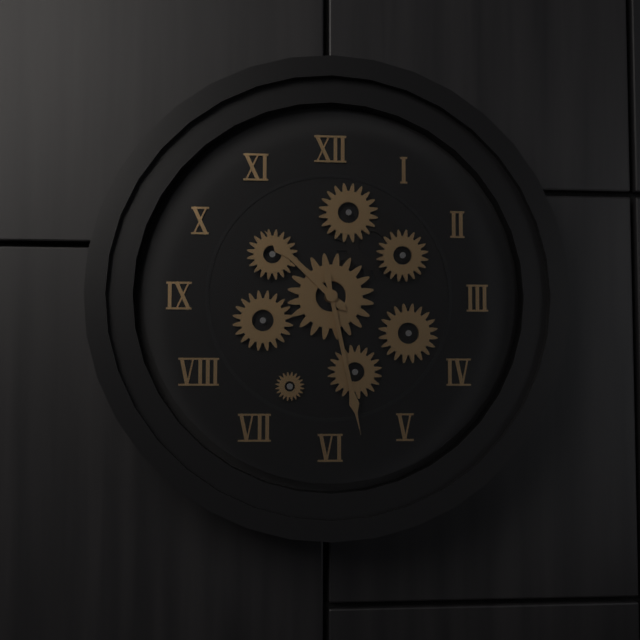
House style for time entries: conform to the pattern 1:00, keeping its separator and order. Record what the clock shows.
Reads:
10:28
